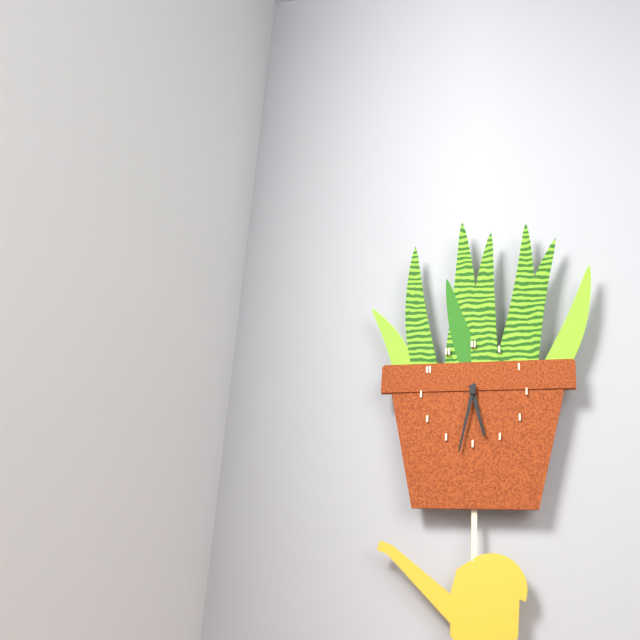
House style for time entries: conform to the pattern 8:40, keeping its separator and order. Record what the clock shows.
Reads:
5:32
